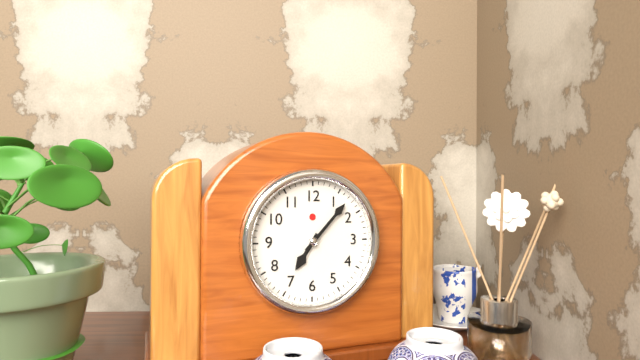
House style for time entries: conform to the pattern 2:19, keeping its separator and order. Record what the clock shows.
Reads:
7:07
